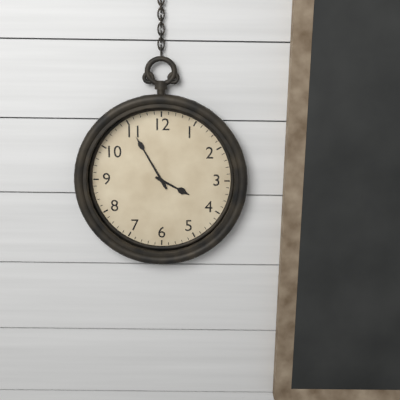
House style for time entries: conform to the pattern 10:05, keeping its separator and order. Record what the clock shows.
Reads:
3:55
